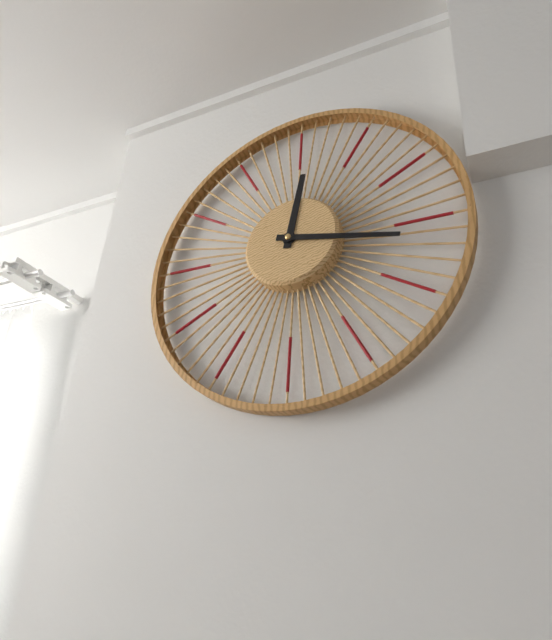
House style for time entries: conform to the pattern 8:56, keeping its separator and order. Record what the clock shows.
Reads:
12:17
